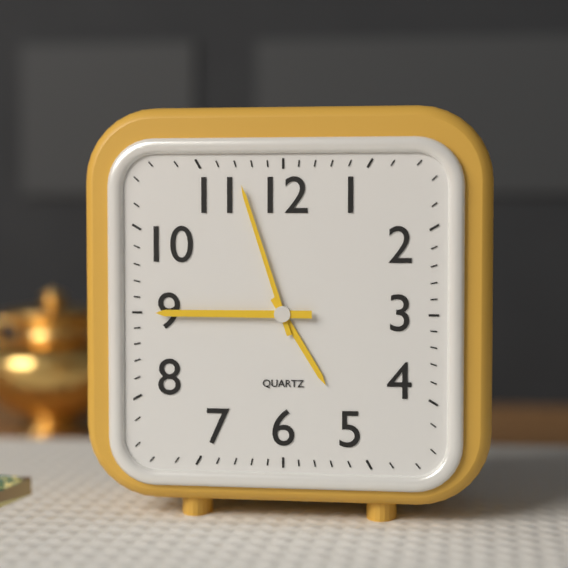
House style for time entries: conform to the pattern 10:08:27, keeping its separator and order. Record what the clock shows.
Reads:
4:57:45
